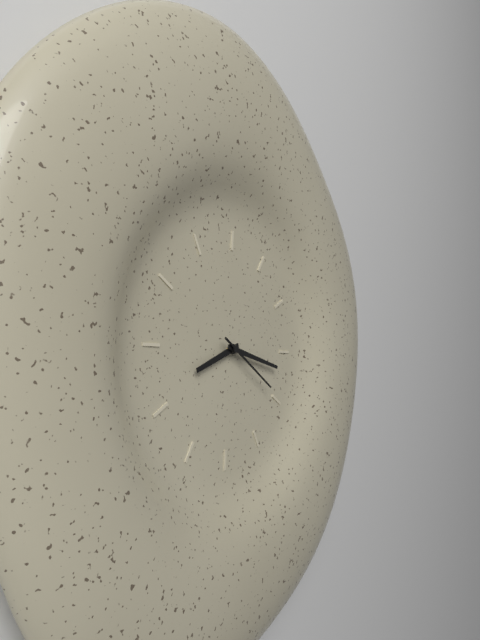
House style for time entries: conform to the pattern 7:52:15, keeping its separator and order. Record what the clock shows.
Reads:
8:17:20
